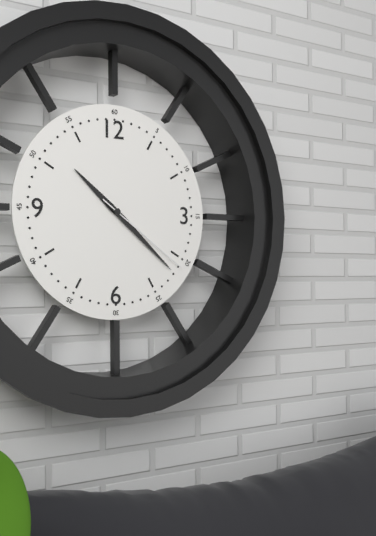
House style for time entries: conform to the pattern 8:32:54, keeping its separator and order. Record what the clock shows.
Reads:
10:22:21
